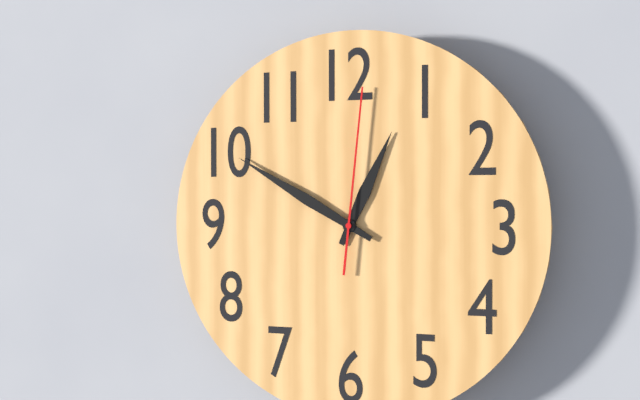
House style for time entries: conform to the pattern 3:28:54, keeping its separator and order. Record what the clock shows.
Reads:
12:50:01
